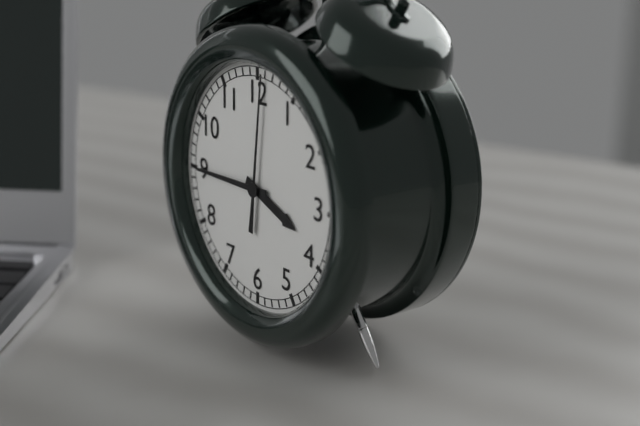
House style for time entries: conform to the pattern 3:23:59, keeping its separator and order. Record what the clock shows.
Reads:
3:45:01
